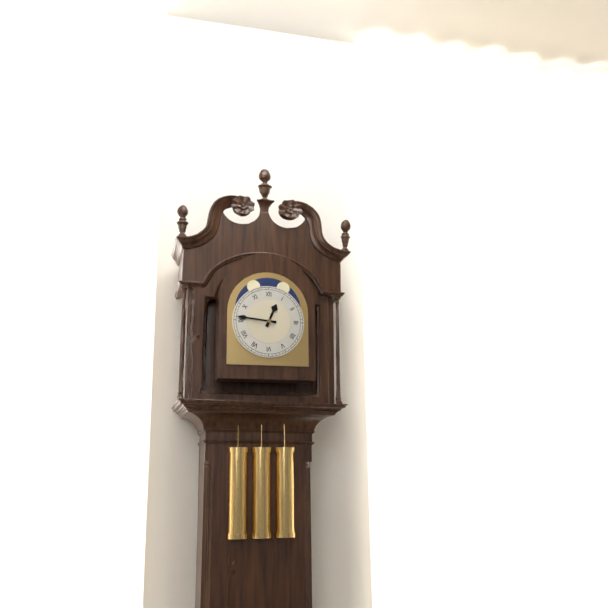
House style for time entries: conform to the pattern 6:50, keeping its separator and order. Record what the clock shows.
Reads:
12:46
